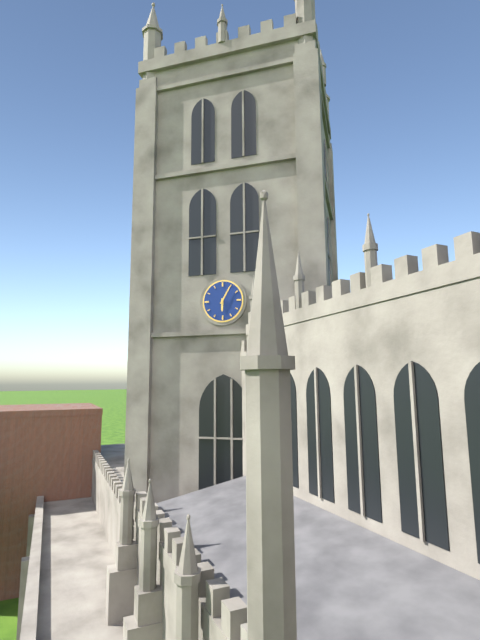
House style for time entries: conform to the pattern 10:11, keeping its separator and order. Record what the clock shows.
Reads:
6:05
